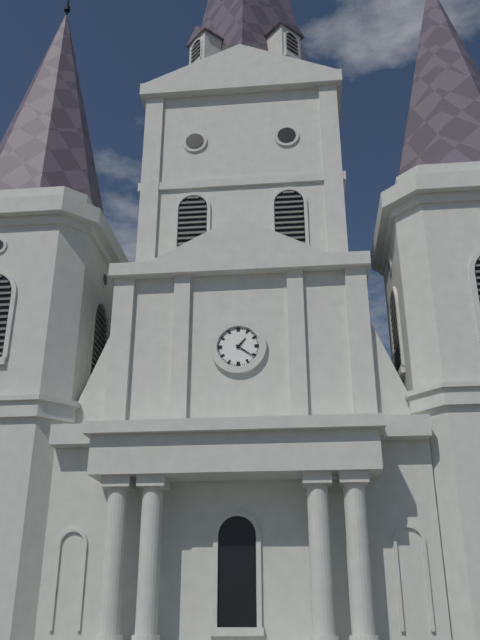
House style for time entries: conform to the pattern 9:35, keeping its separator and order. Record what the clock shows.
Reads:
1:21
